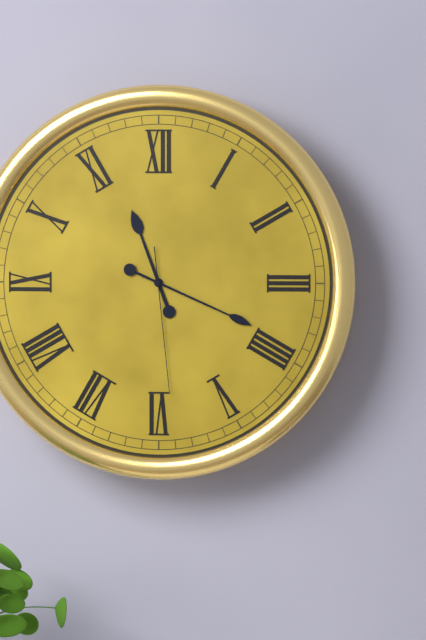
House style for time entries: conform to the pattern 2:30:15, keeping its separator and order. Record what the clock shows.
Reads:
11:19:29
